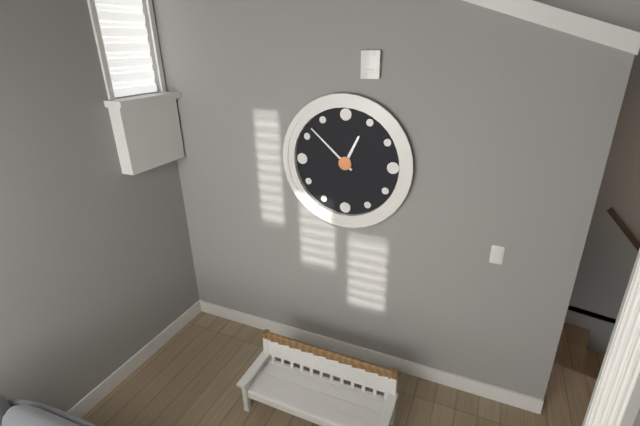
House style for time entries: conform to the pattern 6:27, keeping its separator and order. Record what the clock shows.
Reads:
12:52
